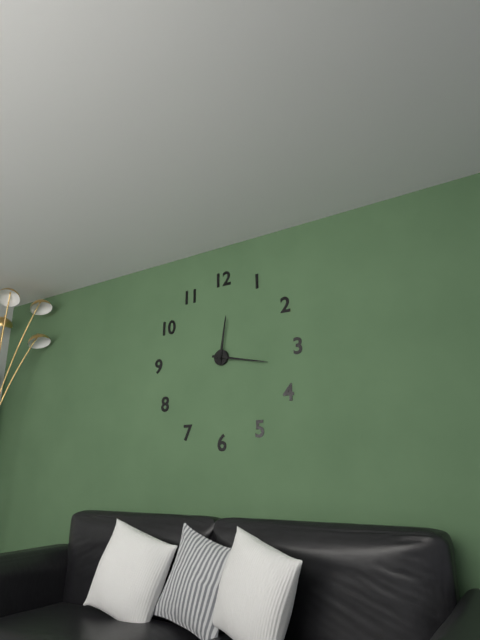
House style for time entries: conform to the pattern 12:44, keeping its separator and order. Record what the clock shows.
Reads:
12:17
